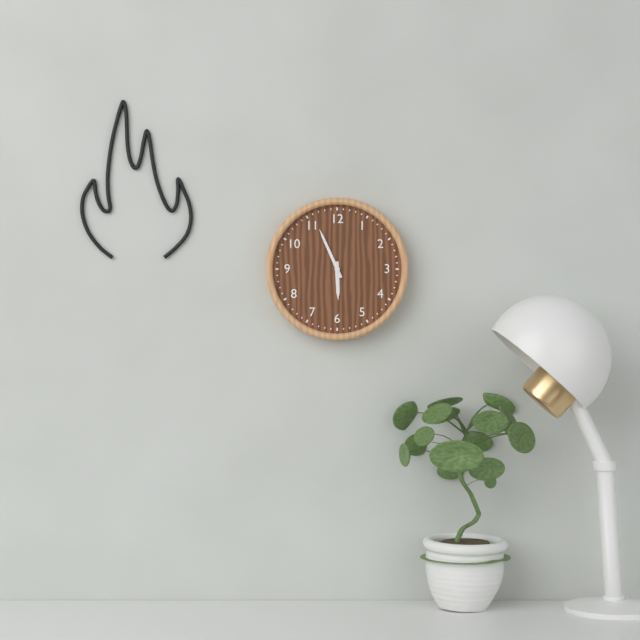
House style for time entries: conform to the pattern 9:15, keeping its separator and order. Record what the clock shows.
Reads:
5:56
